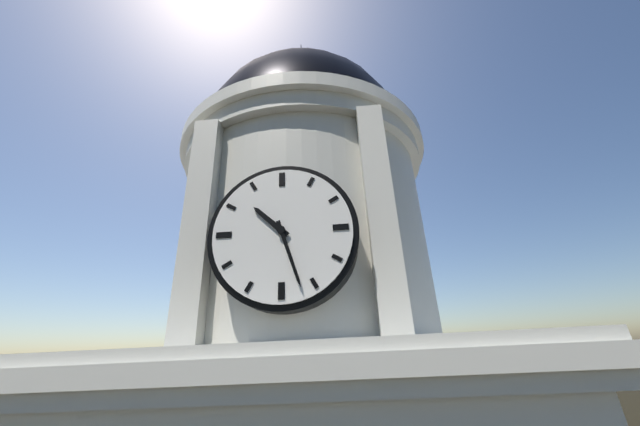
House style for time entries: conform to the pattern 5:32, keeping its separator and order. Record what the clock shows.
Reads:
10:27
